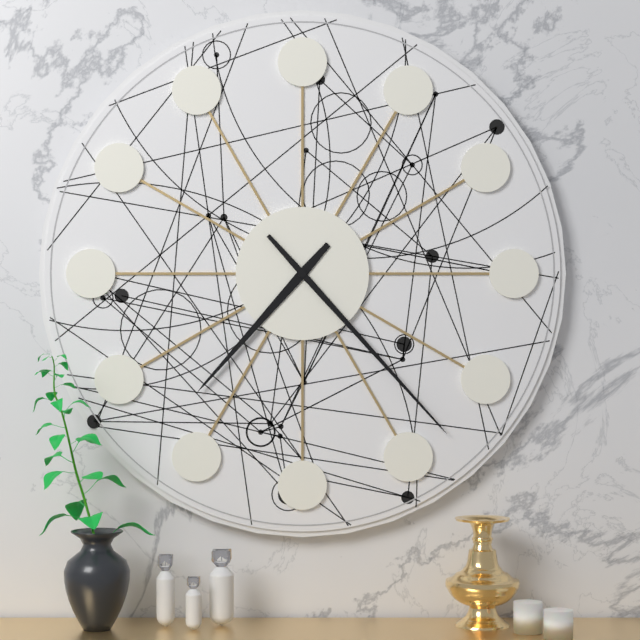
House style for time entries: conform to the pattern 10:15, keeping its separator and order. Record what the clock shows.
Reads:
7:23
